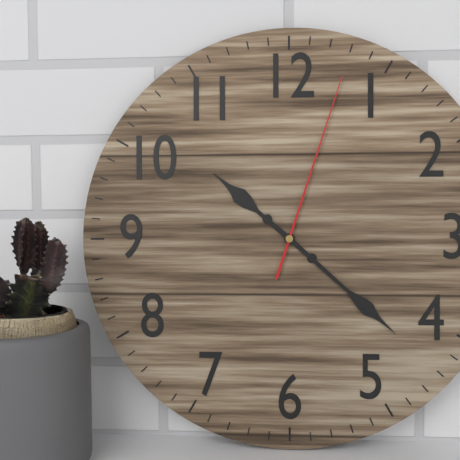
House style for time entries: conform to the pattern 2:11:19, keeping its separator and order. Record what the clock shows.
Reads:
10:22:03
